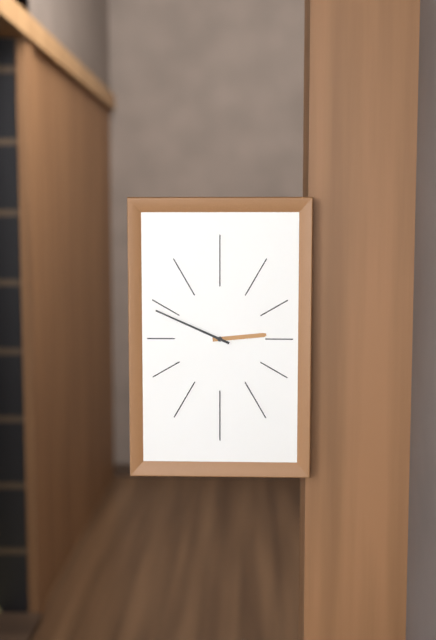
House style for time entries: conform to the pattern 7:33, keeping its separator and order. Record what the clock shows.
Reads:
2:49
